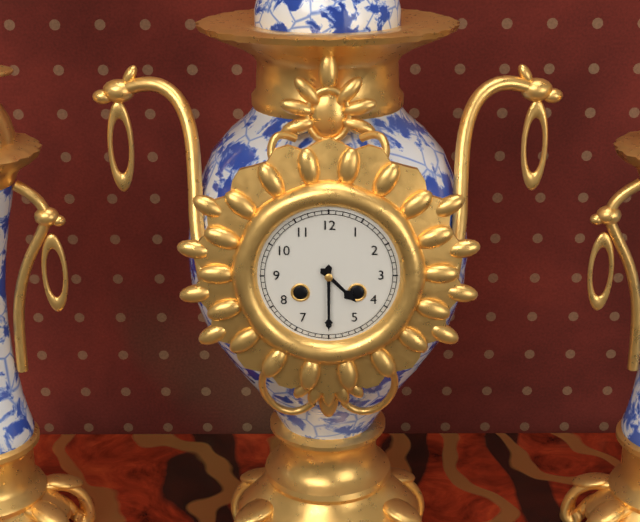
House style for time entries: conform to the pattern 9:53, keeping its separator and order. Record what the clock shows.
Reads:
4:30
